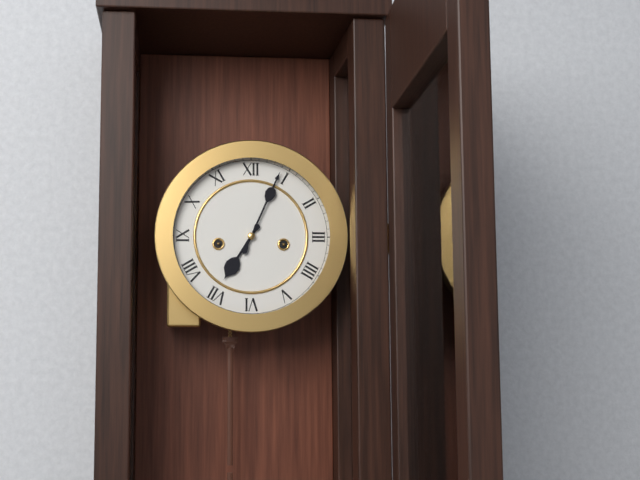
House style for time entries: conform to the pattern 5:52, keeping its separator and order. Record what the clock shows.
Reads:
7:04
